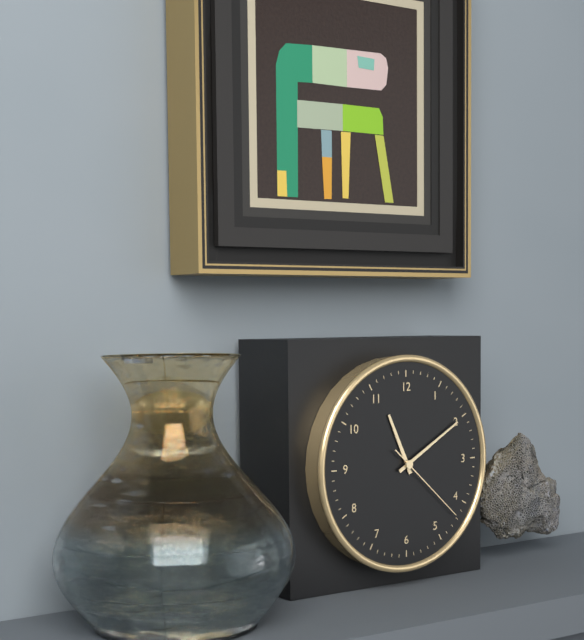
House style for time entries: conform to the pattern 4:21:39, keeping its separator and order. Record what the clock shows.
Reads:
11:10:22
